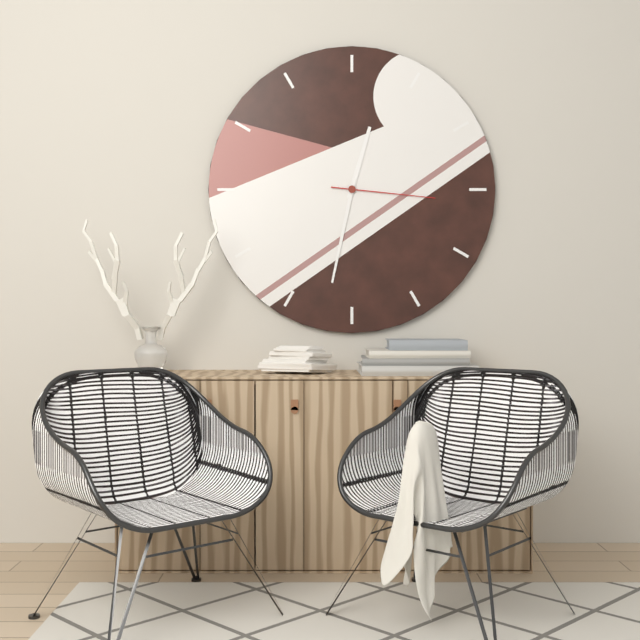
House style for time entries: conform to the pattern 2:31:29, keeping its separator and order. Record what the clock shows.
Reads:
12:32:16
